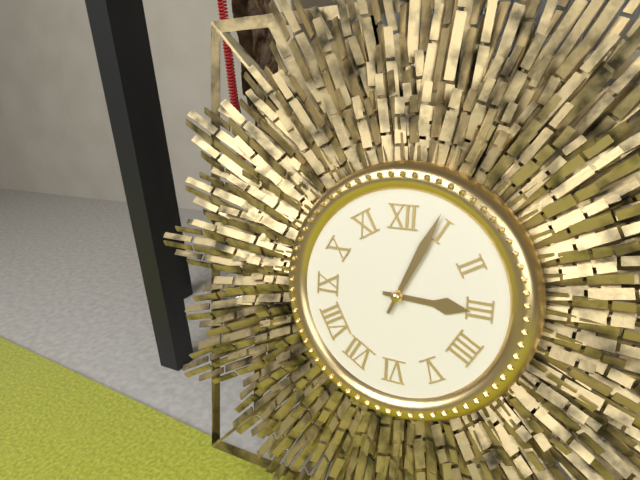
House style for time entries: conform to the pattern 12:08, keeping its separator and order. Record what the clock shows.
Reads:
3:04
